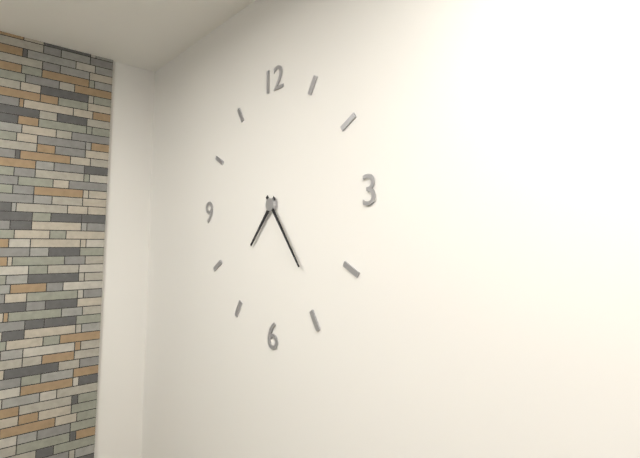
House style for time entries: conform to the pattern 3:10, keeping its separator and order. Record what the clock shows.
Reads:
7:24
